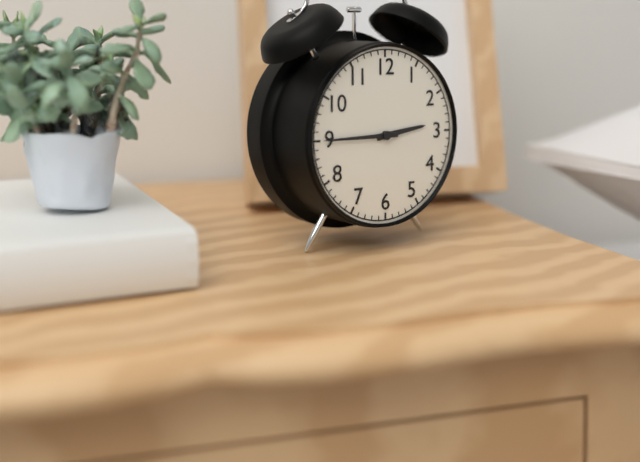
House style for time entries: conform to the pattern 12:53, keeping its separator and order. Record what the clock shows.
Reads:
2:45
